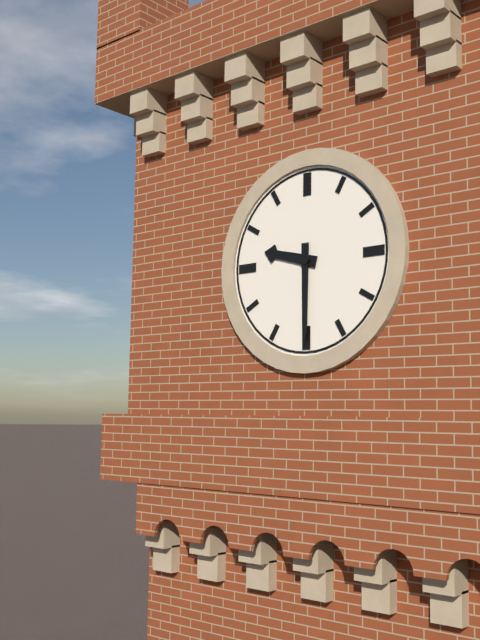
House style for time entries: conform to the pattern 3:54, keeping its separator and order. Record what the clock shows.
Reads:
9:30
